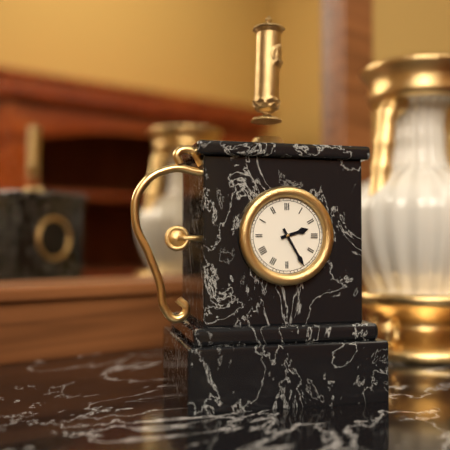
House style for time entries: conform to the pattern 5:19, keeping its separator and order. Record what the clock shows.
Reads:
2:25
